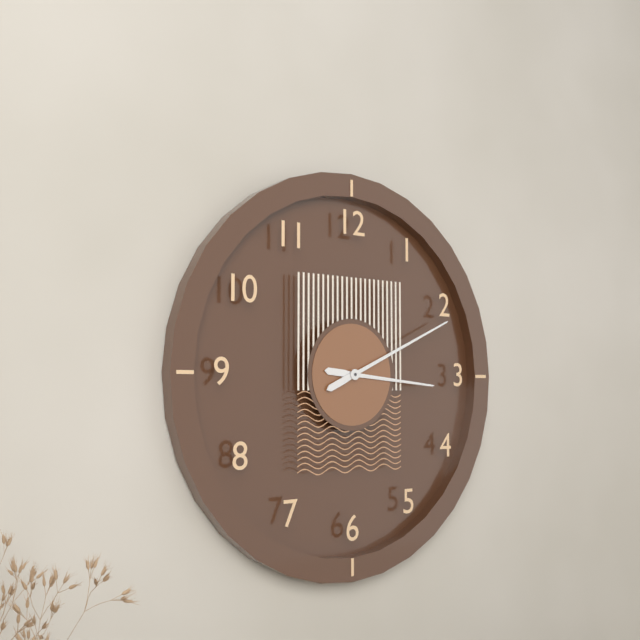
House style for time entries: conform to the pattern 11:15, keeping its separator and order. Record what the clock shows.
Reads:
3:11
